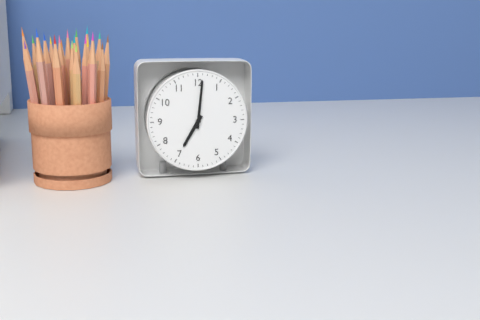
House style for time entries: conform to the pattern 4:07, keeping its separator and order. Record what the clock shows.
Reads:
7:01
